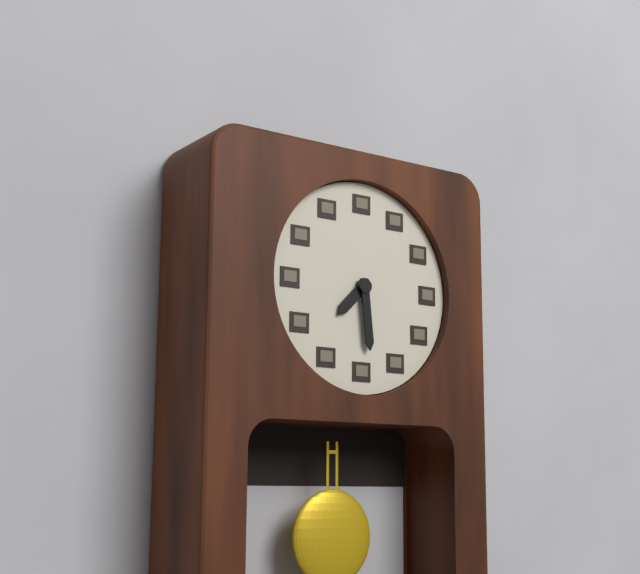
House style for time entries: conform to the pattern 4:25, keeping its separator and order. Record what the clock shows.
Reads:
7:29
